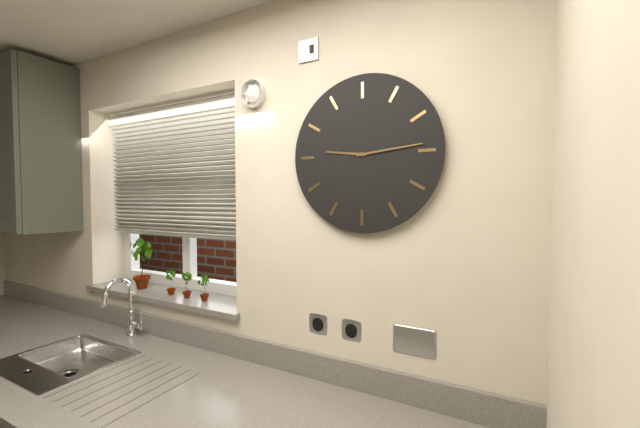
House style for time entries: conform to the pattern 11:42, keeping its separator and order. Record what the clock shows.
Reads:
9:14
